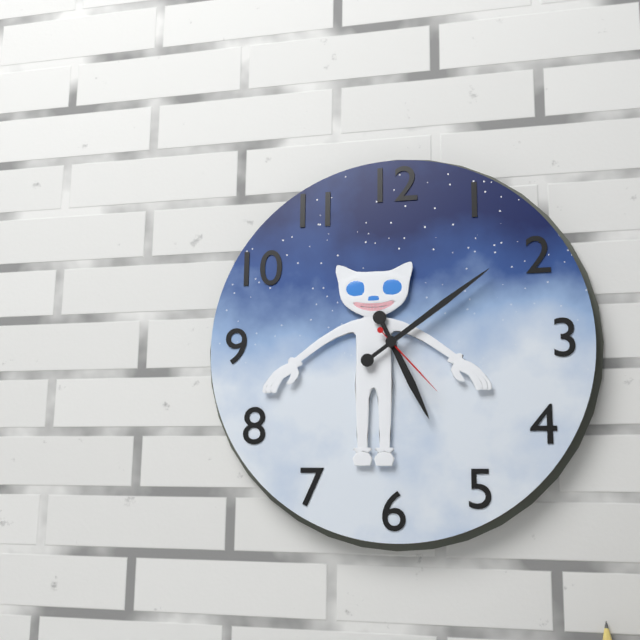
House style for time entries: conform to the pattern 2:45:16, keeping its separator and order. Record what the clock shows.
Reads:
5:09:23
